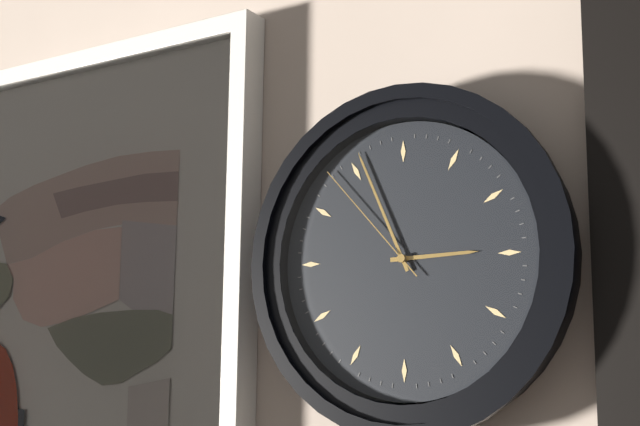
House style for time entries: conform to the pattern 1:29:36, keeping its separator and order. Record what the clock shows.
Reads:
2:56:53
